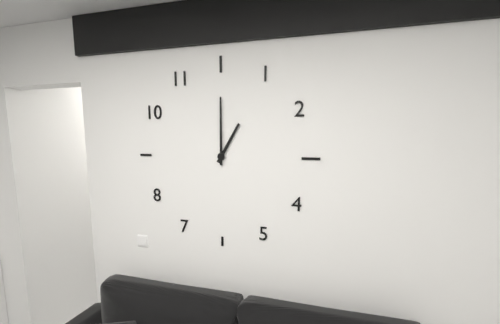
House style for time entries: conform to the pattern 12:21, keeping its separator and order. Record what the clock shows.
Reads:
1:00
